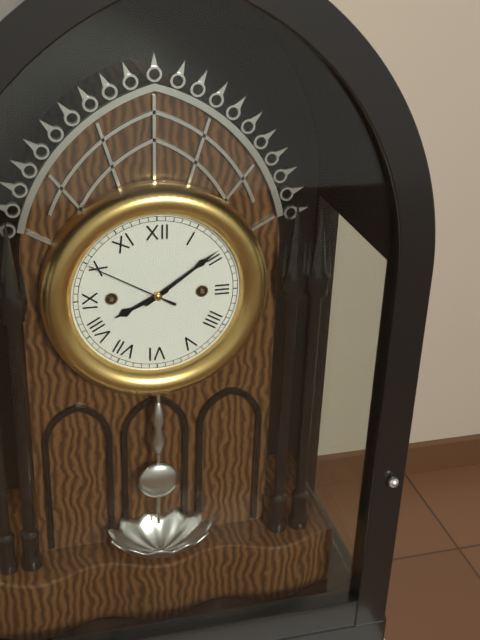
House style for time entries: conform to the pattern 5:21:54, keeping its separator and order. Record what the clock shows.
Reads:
8:09:50
